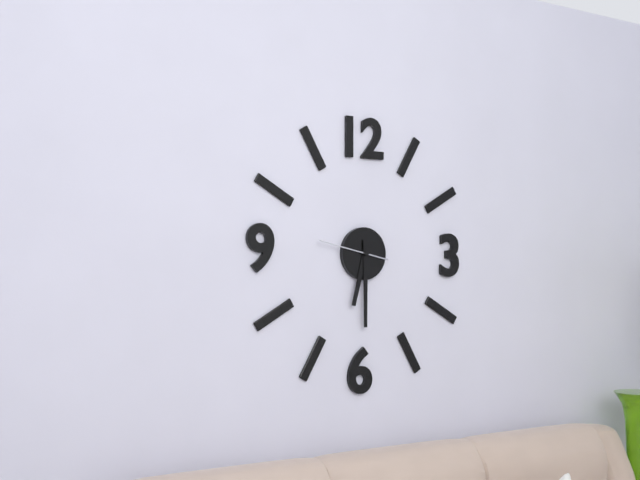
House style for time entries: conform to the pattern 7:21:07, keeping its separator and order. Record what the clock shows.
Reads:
6:30:47
